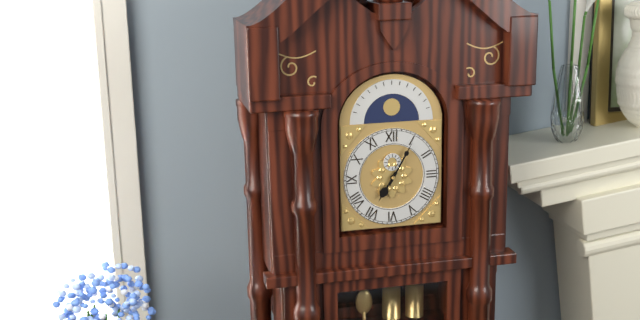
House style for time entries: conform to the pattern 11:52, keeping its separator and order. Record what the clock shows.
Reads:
7:05
